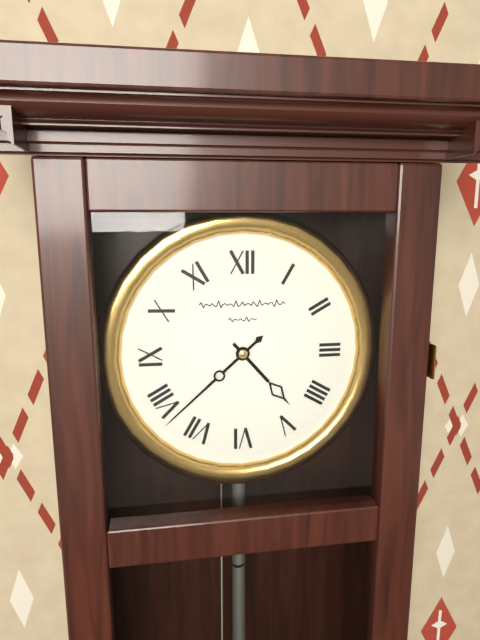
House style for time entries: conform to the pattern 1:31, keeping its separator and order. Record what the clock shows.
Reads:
4:38
